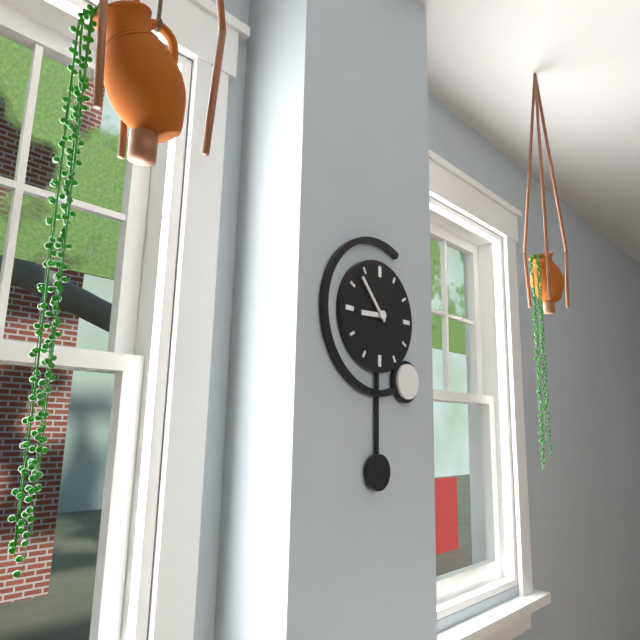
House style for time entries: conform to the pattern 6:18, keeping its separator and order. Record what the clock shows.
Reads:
8:53
